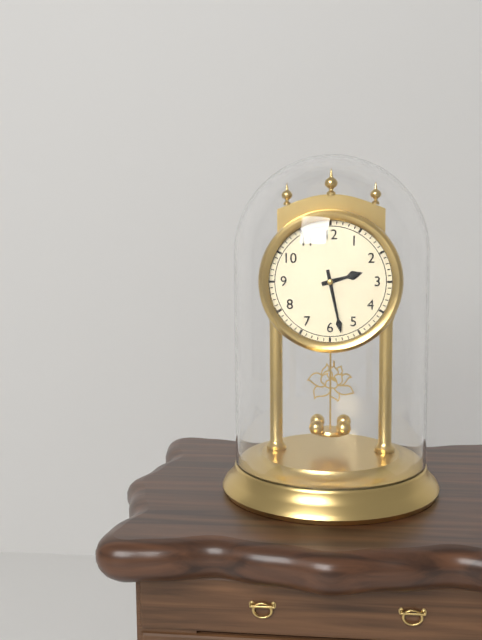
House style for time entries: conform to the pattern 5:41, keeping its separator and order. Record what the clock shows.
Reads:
2:28
